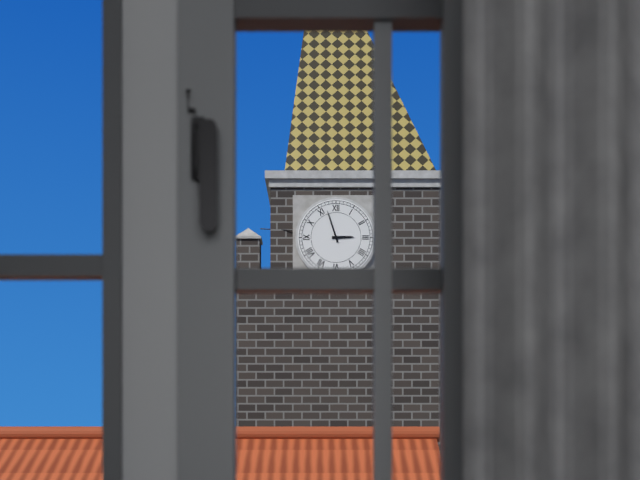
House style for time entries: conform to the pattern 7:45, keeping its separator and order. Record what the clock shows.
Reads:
2:57
